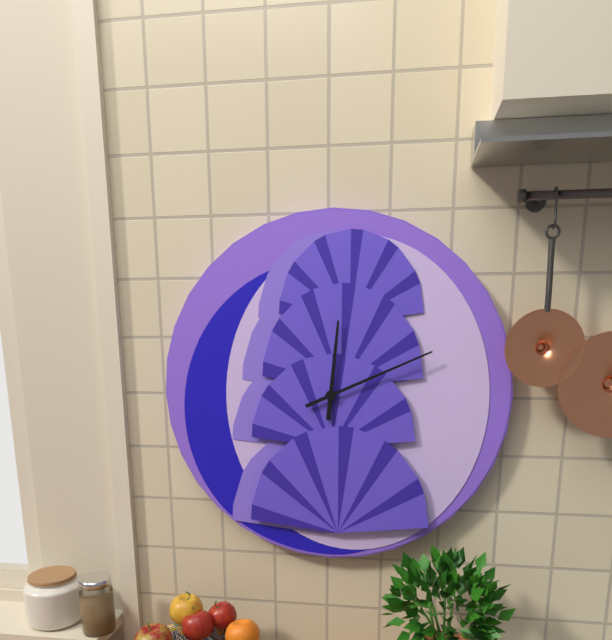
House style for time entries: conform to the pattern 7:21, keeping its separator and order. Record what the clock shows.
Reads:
12:11
